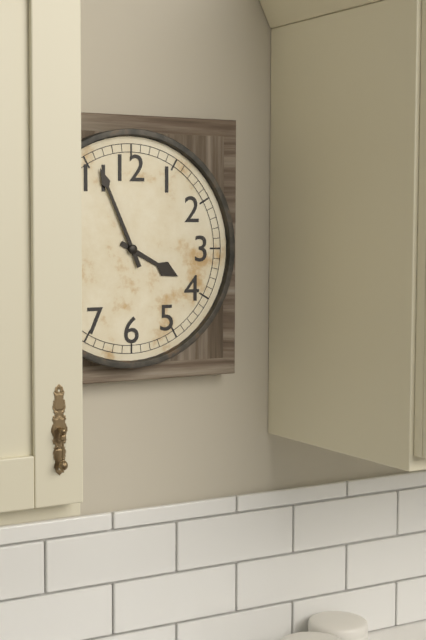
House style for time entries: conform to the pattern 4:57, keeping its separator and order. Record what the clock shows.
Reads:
3:56
